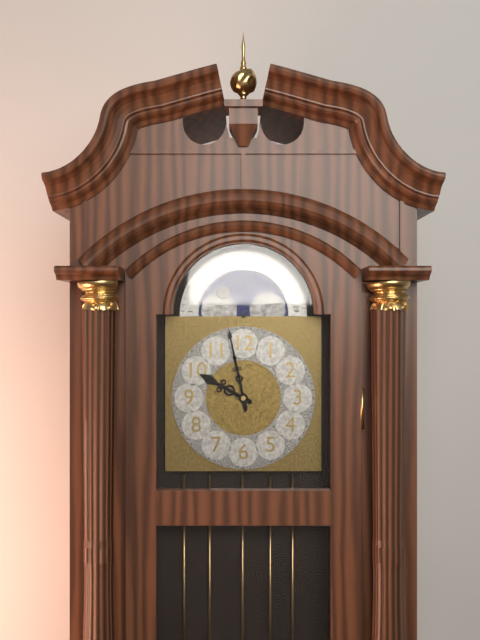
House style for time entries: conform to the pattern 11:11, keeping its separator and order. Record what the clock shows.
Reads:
9:58
